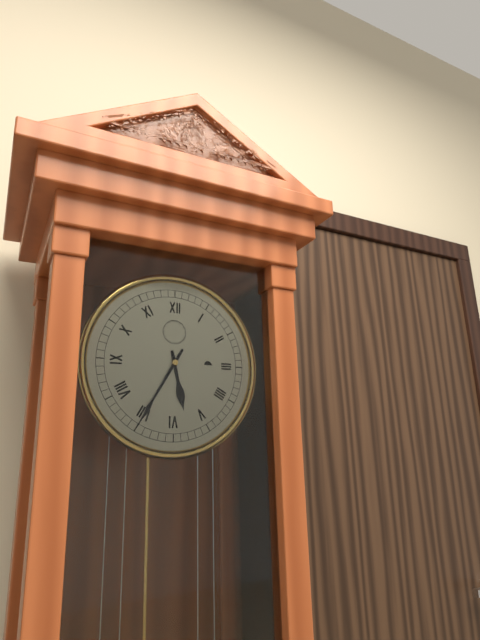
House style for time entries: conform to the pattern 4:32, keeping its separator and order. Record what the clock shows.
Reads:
5:35
